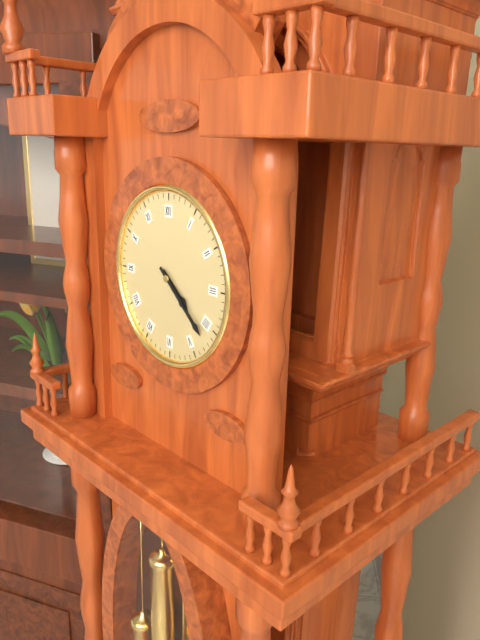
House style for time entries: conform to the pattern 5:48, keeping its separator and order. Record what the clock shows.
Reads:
4:22
